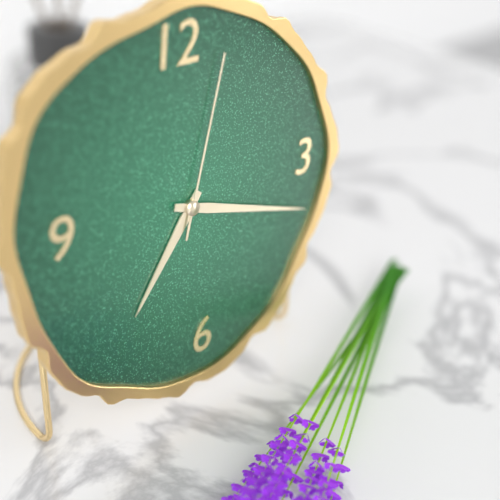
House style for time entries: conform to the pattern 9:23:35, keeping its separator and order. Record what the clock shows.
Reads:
7:18:03
